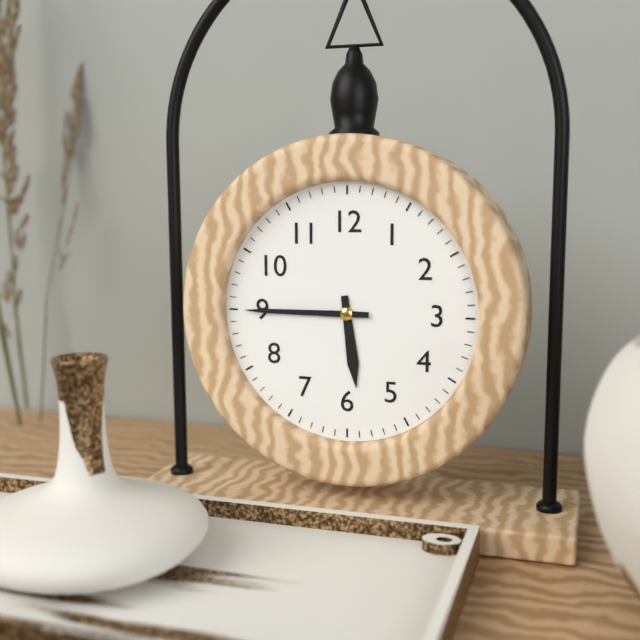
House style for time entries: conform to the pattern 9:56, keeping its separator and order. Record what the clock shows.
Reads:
5:45
